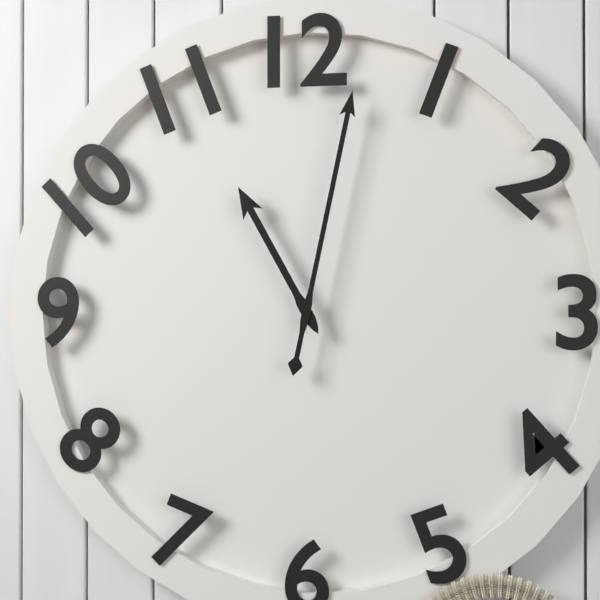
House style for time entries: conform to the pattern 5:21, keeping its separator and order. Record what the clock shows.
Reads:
11:02
